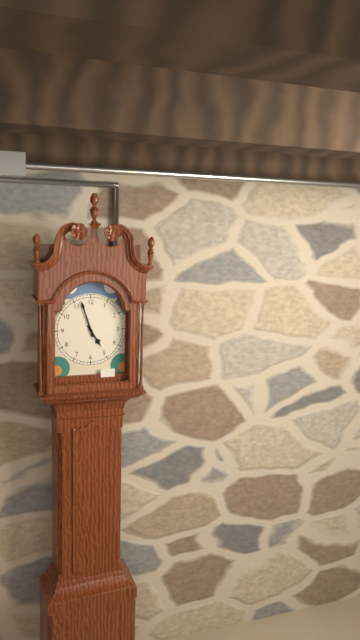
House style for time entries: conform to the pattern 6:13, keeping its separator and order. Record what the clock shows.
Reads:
4:57
